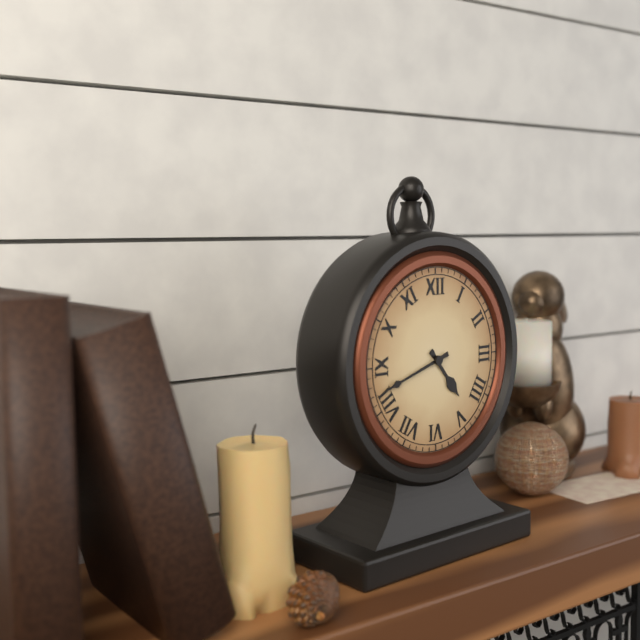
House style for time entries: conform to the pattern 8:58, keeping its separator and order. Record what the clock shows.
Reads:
4:42
